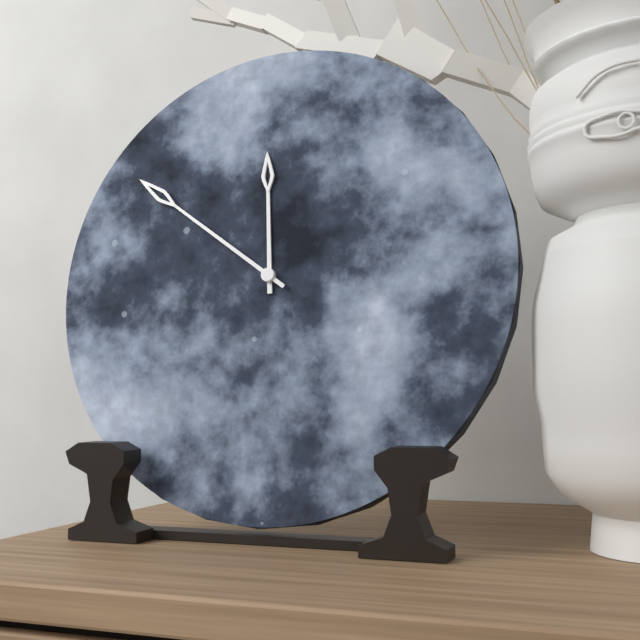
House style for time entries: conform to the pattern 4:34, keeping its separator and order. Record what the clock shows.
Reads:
11:51
